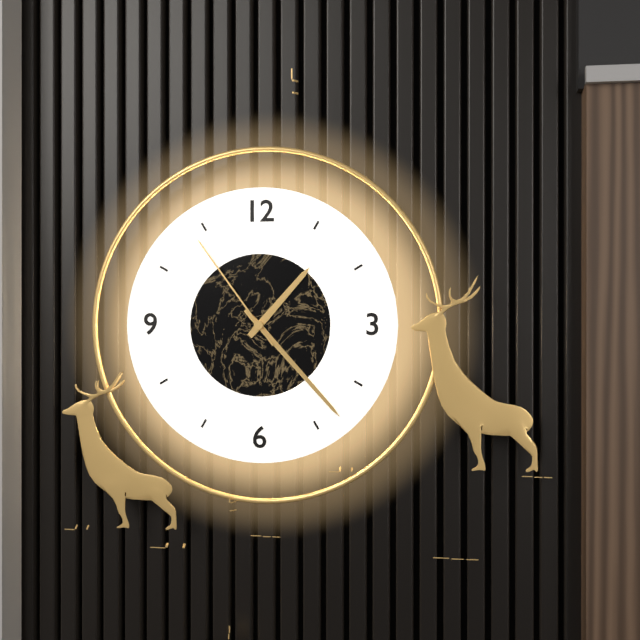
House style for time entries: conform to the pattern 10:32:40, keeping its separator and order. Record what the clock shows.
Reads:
1:23:54
